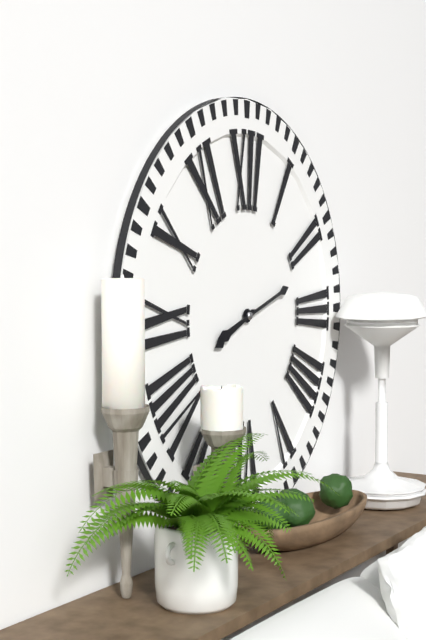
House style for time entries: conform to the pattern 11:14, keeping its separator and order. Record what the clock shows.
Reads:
8:12
